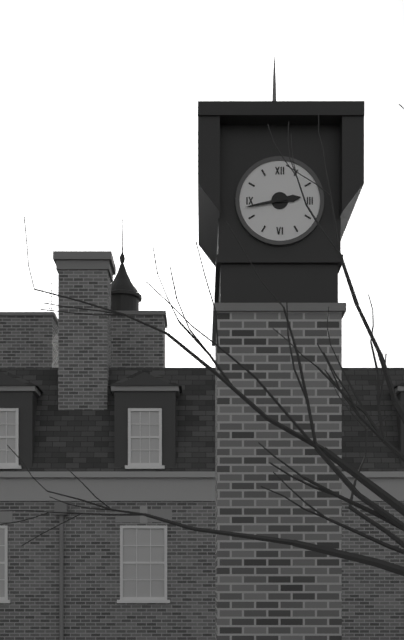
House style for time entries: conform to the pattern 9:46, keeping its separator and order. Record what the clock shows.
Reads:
2:43
